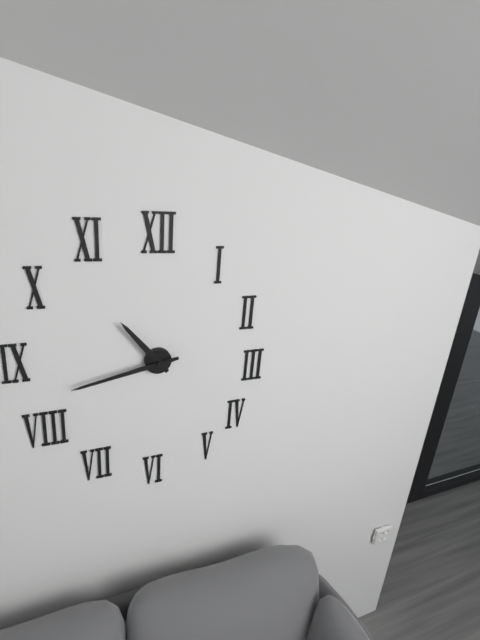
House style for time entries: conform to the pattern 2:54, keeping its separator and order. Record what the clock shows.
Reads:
10:43
